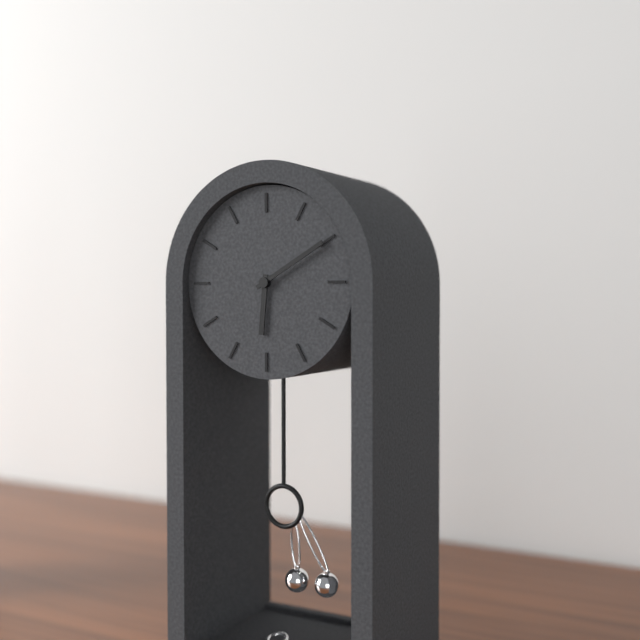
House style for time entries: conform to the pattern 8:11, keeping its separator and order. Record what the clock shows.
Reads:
6:10
